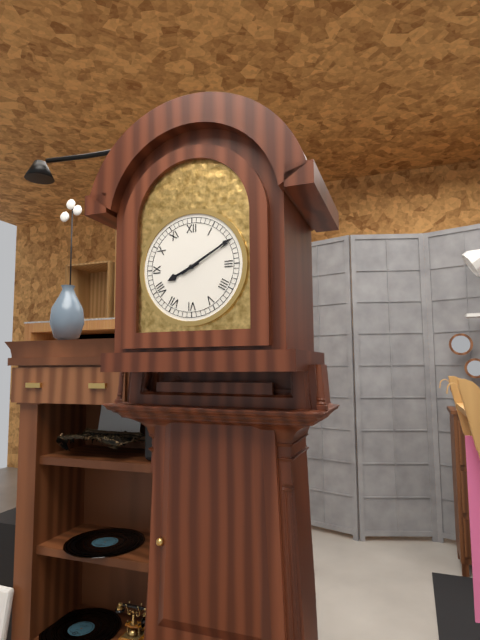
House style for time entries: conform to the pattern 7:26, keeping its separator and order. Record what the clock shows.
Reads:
8:10
